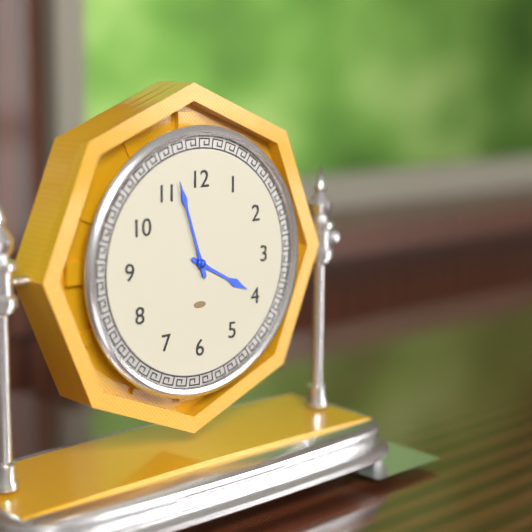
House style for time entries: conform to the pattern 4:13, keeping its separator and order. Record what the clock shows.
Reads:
3:57
